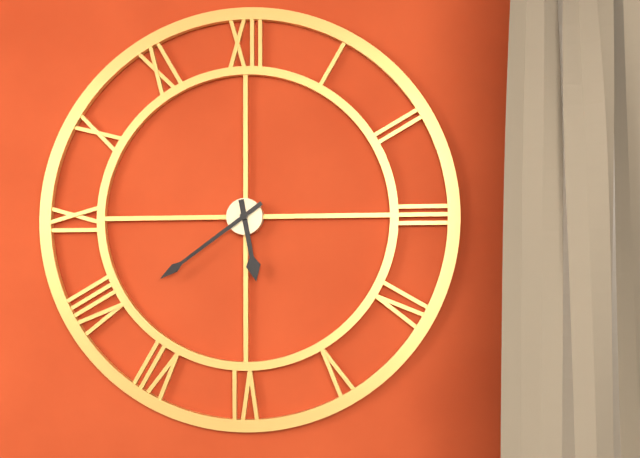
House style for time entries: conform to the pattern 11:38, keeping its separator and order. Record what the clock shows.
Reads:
5:39
